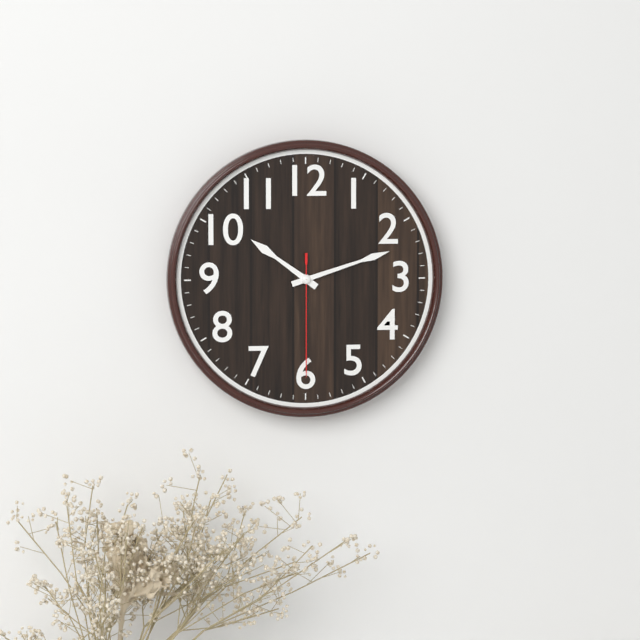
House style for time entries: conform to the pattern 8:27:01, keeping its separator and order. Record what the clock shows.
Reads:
10:12:30
